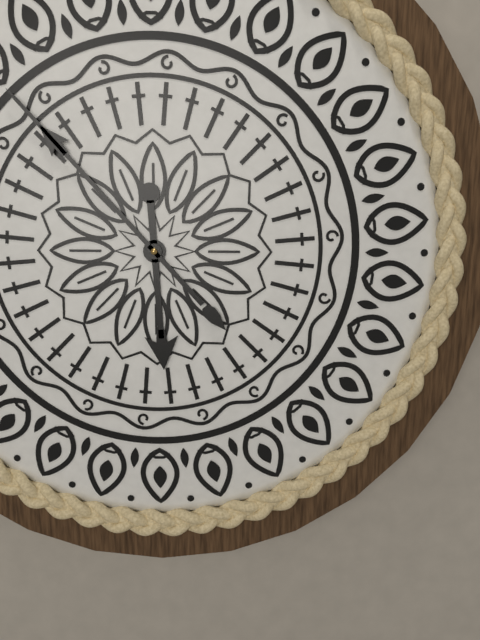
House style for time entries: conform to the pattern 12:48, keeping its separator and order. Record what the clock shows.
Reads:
5:53
